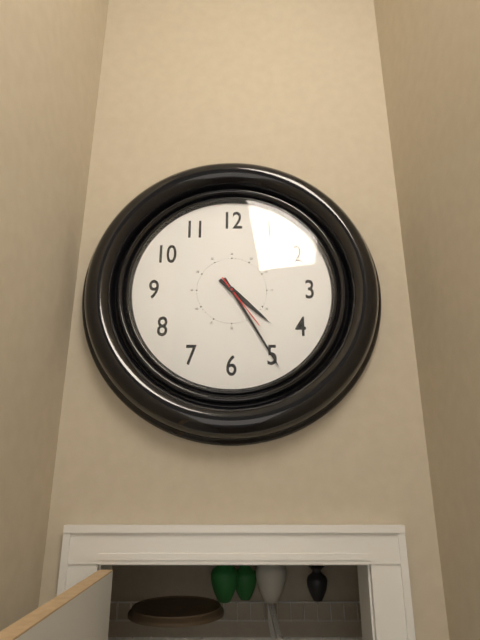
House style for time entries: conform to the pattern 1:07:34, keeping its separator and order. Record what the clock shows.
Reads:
4:25:24
